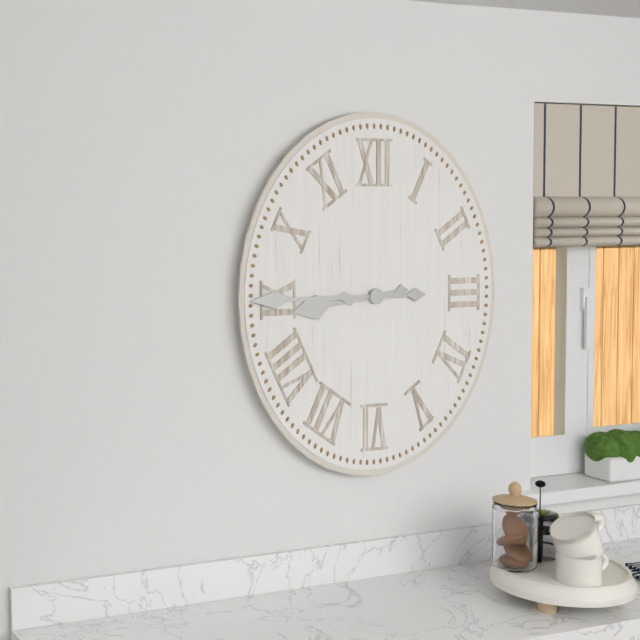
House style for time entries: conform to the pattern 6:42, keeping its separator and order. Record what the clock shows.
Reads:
8:45
